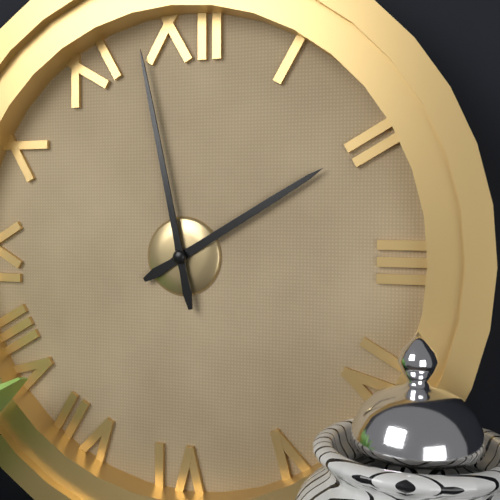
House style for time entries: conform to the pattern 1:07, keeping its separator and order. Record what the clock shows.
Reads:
1:58
